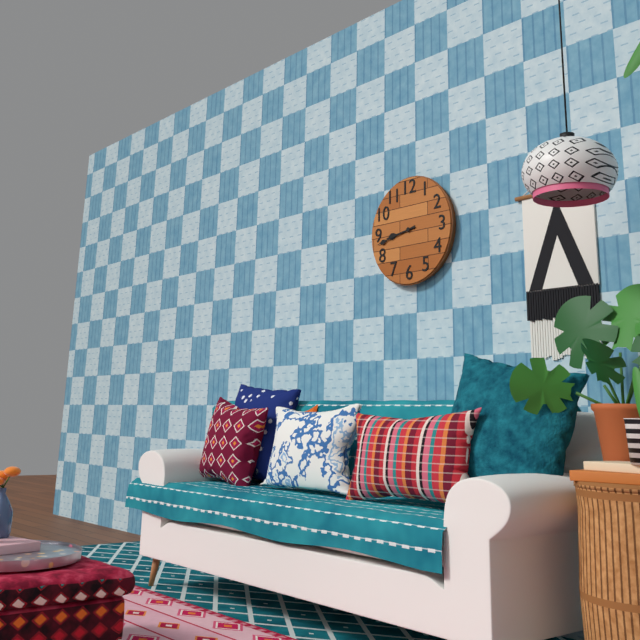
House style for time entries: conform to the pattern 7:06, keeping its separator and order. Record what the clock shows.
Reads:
8:43
